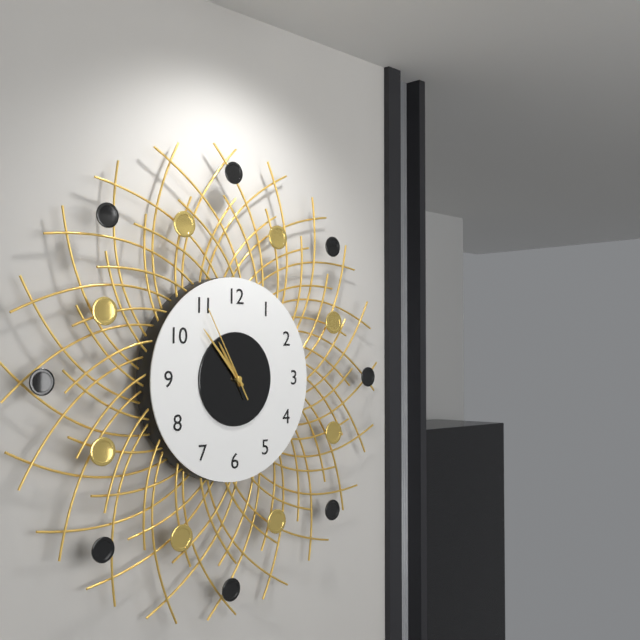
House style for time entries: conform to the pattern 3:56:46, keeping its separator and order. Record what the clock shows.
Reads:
10:53:55
